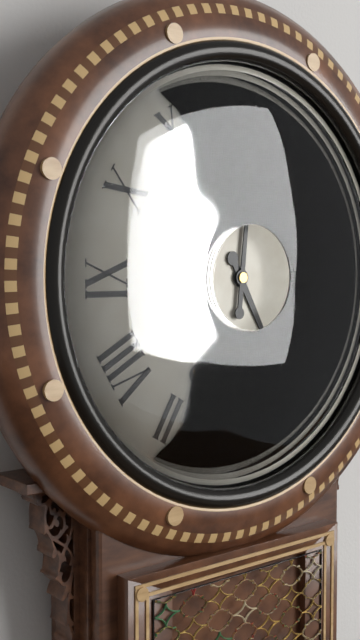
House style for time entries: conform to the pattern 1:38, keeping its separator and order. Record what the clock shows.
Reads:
5:01
